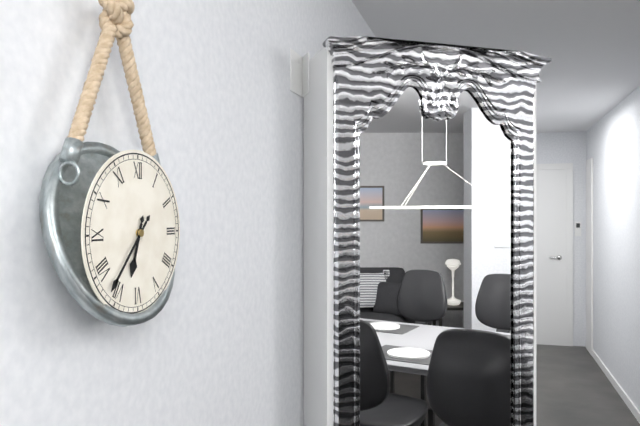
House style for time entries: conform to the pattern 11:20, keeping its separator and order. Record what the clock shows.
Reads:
6:37
